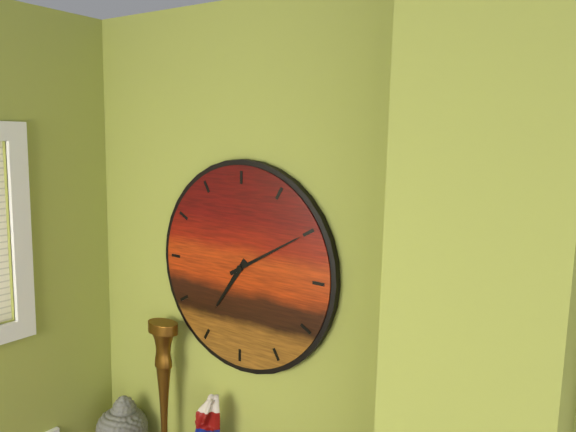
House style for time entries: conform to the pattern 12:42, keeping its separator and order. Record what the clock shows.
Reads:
7:10
